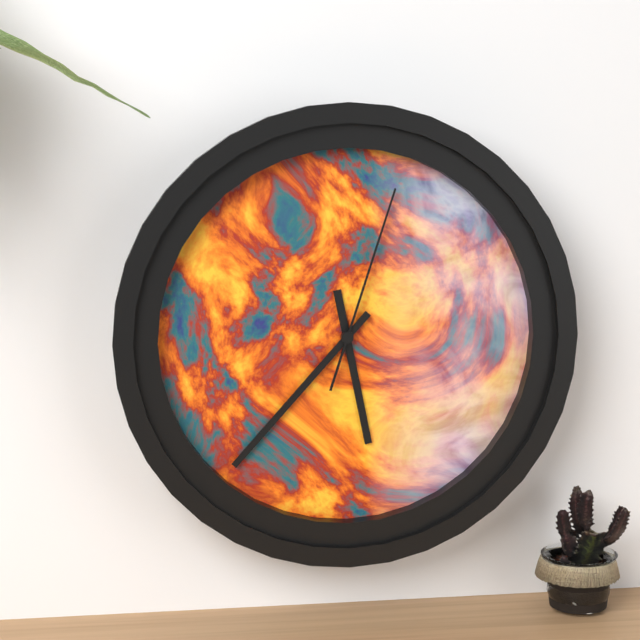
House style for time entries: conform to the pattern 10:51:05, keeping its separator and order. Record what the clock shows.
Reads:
5:37:03
